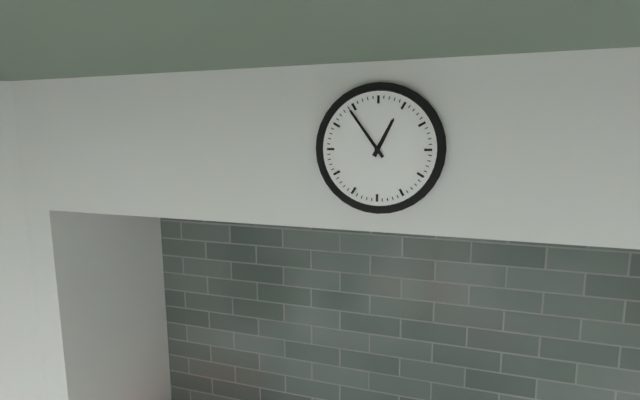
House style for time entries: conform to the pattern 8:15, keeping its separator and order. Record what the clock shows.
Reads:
12:54
